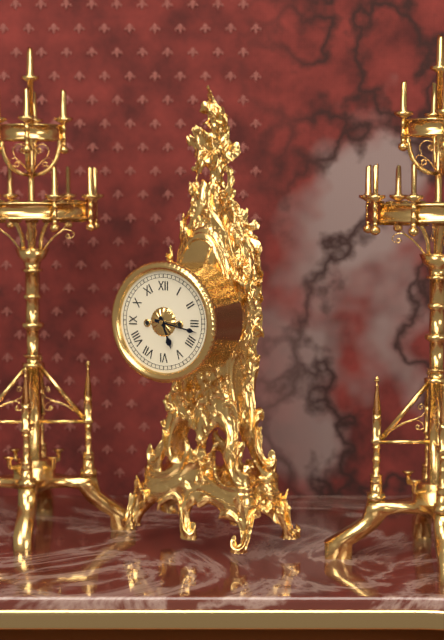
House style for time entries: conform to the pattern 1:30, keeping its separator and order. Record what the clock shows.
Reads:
5:17
